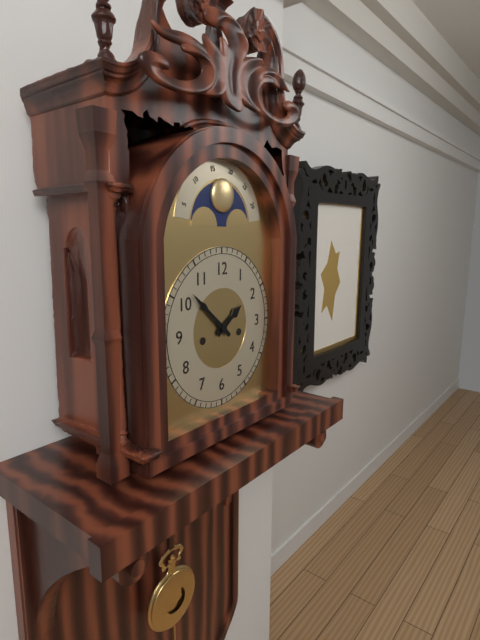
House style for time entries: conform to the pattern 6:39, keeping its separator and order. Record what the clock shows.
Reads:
1:52
